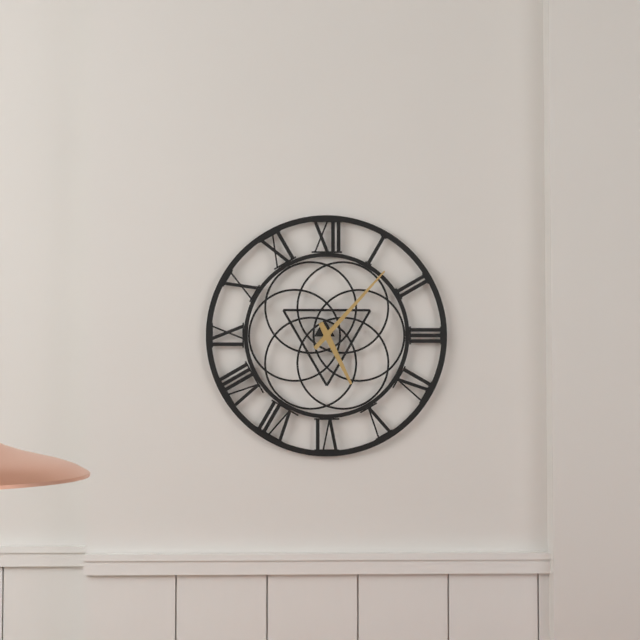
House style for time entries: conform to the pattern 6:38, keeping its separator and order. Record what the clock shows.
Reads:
5:07
